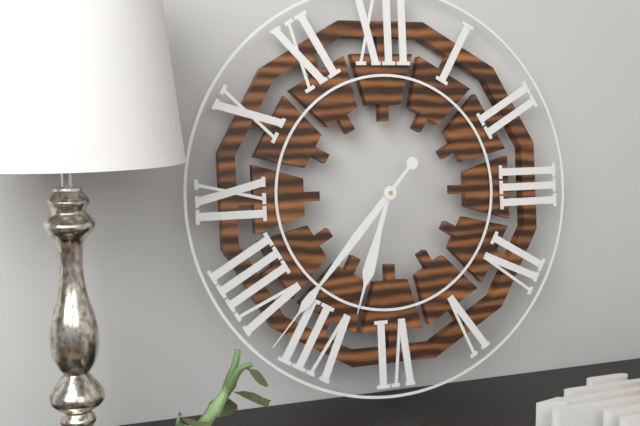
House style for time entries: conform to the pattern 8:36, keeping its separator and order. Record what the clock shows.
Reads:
6:37
